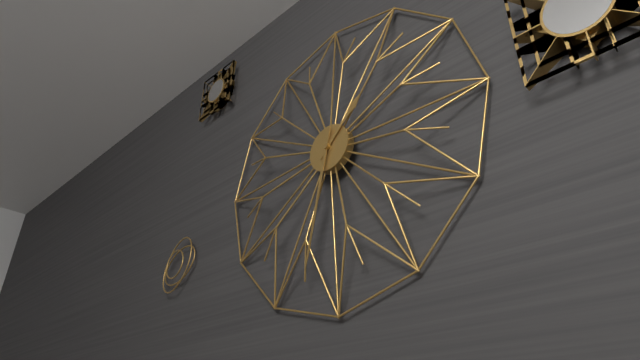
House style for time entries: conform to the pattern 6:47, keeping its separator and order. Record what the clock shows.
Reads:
1:32
